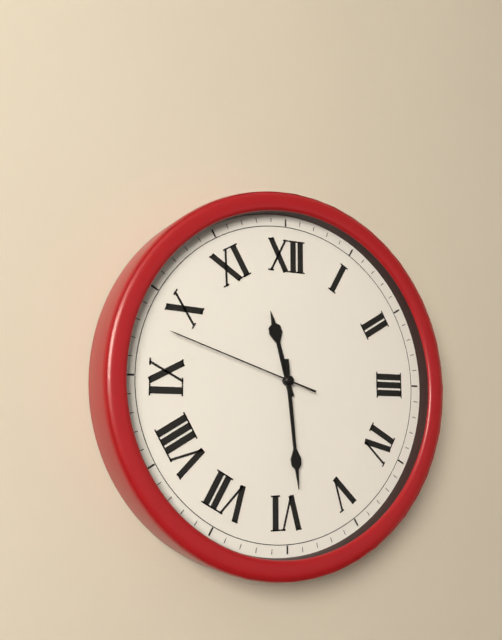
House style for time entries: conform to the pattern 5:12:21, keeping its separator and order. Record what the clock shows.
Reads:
11:29:48
